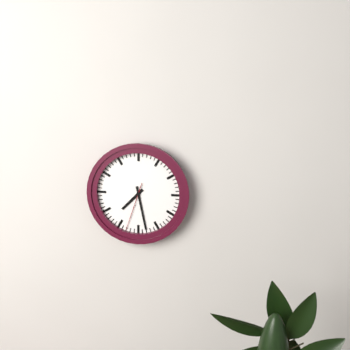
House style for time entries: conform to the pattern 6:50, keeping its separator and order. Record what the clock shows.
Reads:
7:28
